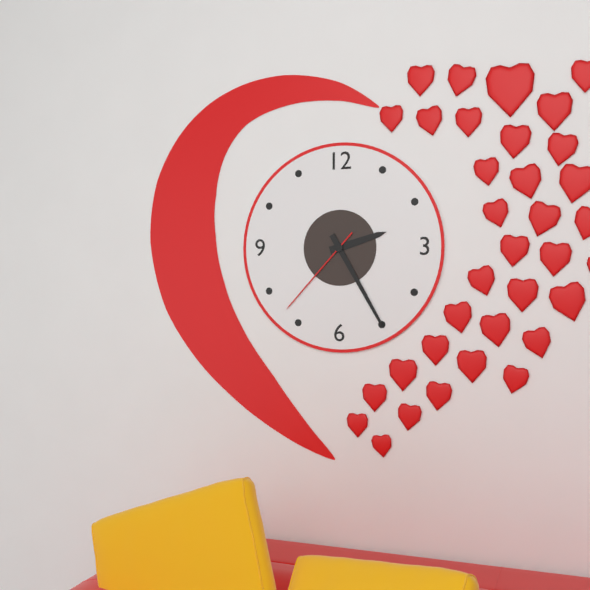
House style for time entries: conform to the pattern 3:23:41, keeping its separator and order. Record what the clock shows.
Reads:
2:25:37
